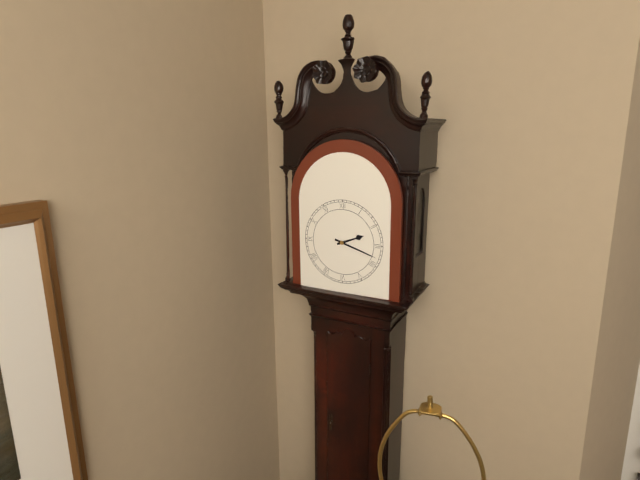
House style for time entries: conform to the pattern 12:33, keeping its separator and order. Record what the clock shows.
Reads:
2:18
